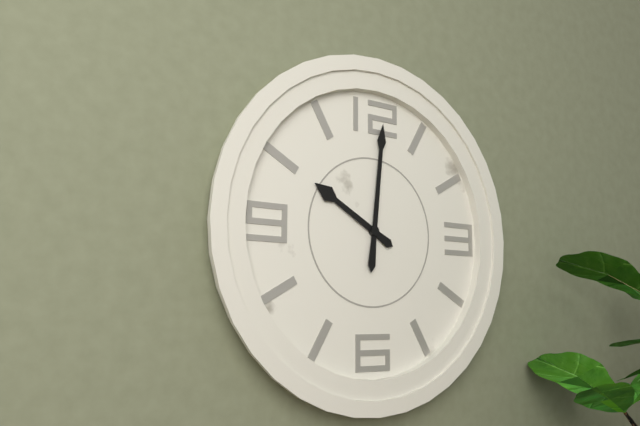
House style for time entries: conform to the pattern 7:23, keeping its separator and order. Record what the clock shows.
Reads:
10:01
